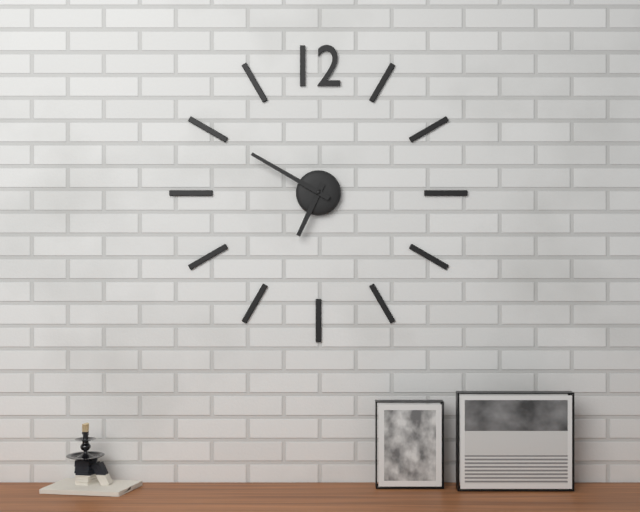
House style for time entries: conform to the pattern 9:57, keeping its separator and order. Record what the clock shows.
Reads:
6:50
